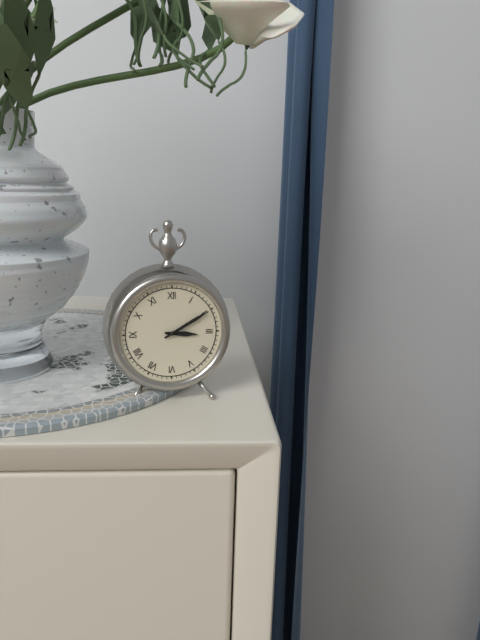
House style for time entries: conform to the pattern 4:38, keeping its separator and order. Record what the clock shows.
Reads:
3:10
